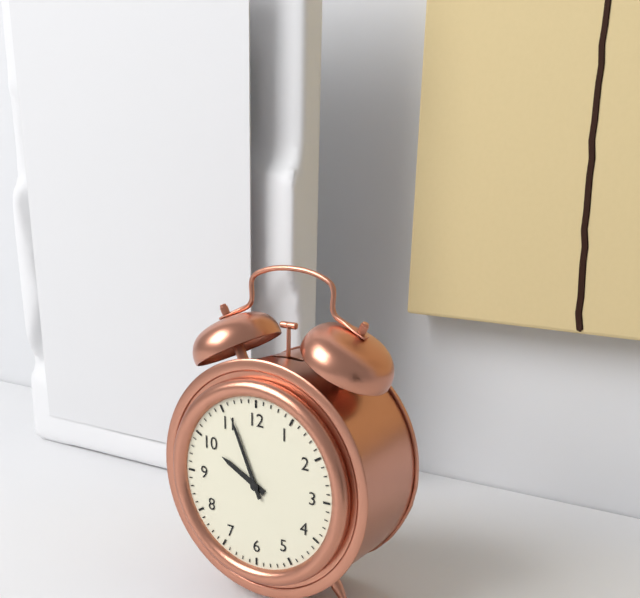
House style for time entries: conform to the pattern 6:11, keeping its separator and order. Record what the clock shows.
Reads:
9:56
